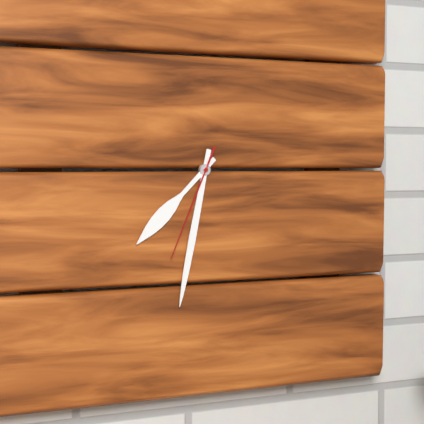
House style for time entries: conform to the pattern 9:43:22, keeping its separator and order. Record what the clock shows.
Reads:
7:32:34
